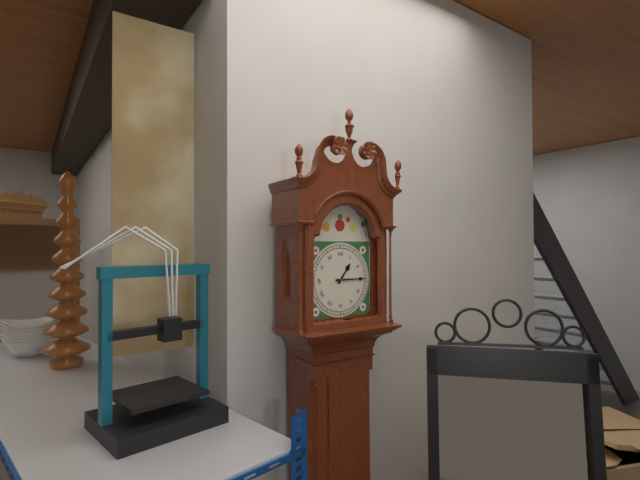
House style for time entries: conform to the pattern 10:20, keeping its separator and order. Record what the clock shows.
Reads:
1:15
